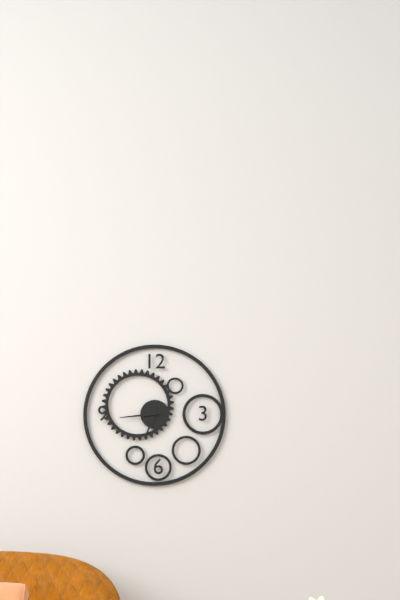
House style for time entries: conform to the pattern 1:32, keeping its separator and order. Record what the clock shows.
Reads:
6:44
